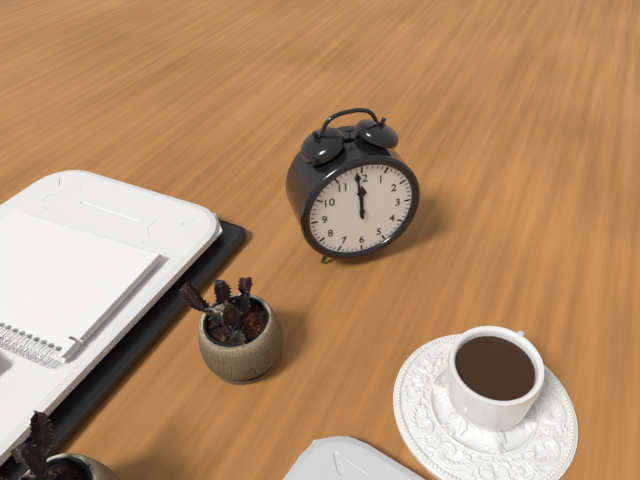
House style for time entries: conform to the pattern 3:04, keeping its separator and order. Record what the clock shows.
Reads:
11:59
